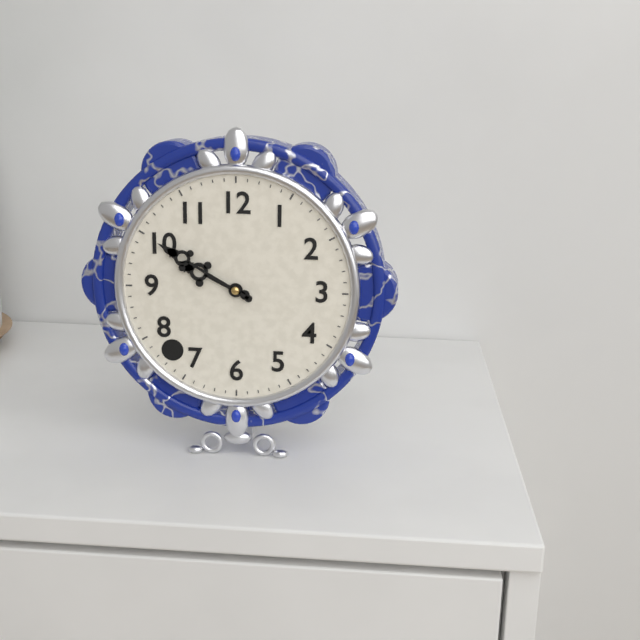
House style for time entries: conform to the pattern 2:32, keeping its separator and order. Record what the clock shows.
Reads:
9:50
